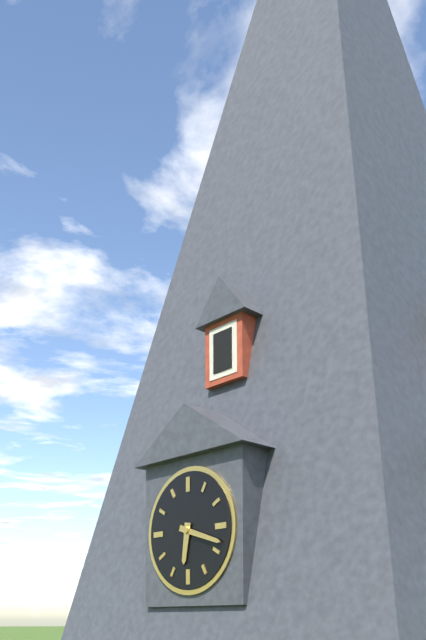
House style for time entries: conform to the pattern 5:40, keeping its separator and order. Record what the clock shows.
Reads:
6:18
